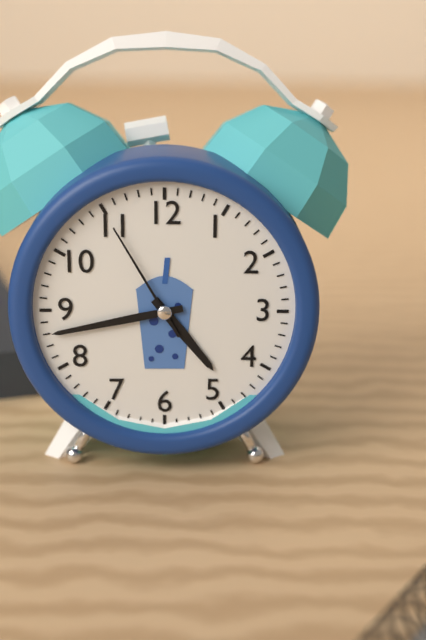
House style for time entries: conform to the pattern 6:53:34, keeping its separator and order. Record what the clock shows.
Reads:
4:43:55
